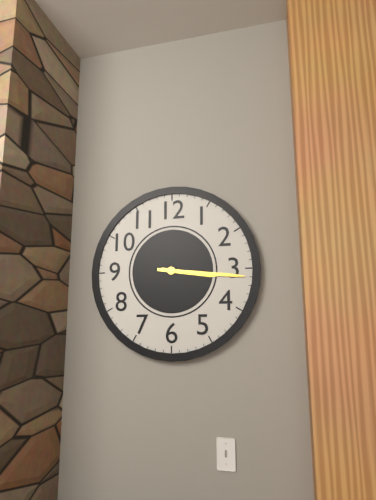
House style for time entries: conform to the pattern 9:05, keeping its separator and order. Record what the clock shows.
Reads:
3:16
